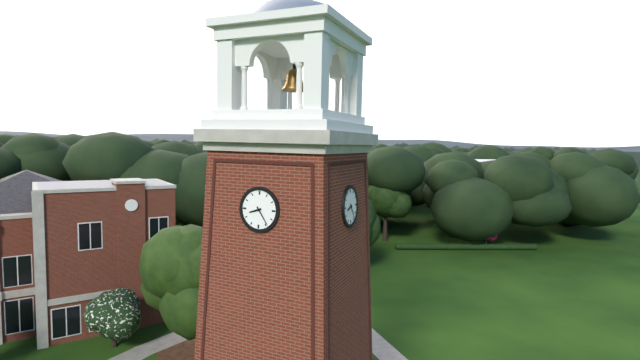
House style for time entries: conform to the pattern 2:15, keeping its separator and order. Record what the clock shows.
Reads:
8:24
